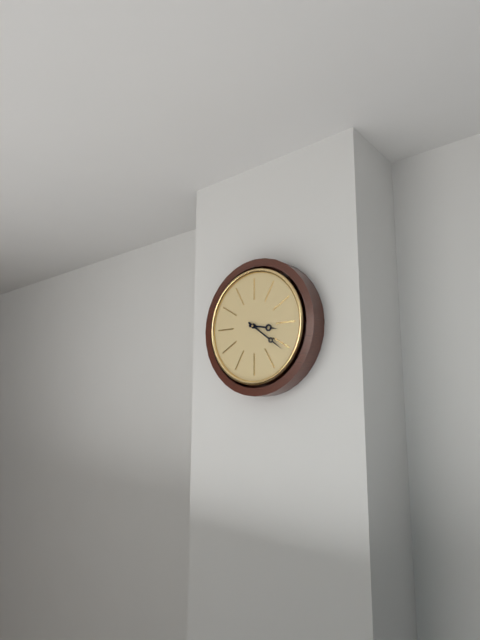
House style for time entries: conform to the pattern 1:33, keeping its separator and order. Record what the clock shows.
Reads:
3:21
